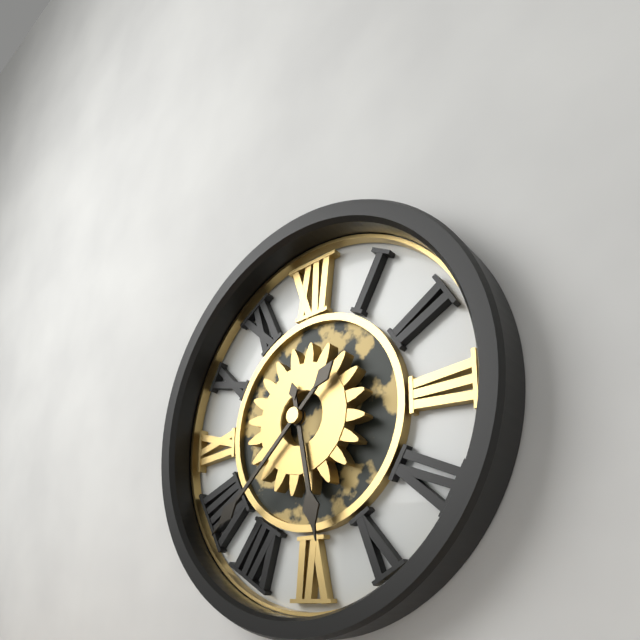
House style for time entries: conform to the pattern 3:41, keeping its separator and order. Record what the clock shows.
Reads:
5:38
